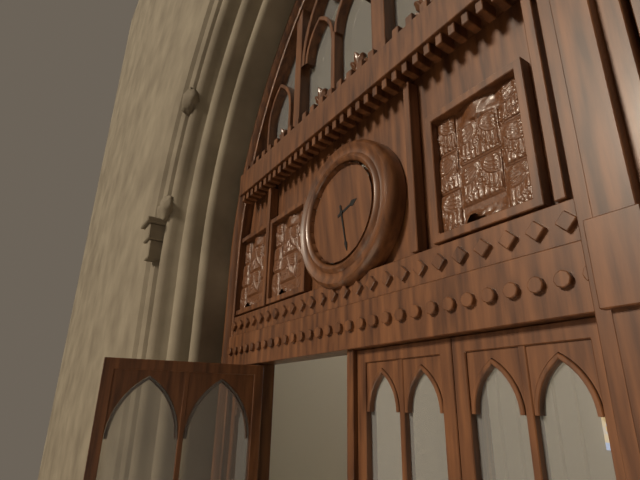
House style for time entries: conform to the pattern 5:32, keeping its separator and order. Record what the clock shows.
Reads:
2:28
